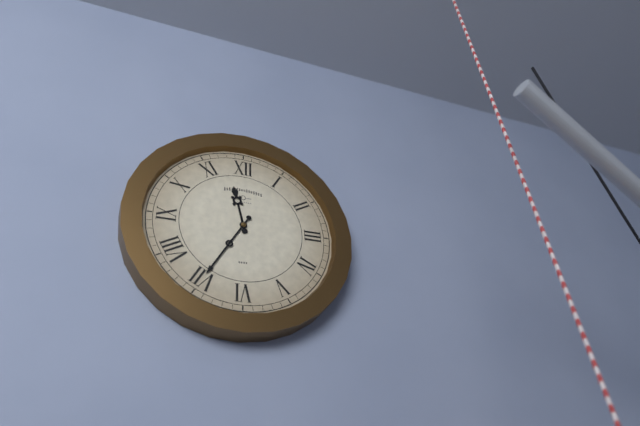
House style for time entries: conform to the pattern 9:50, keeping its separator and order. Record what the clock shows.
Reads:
11:35
